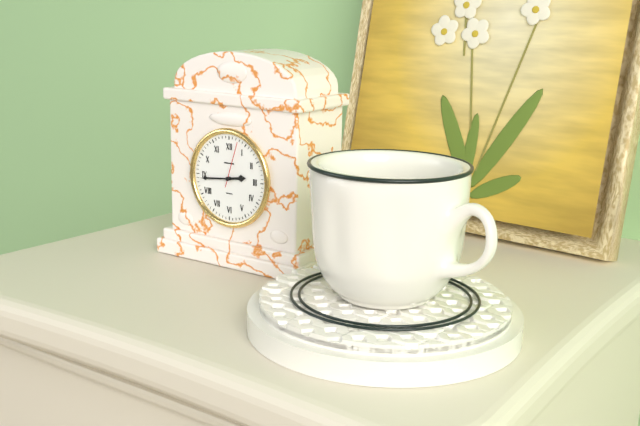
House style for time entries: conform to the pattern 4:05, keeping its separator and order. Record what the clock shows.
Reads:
2:44
